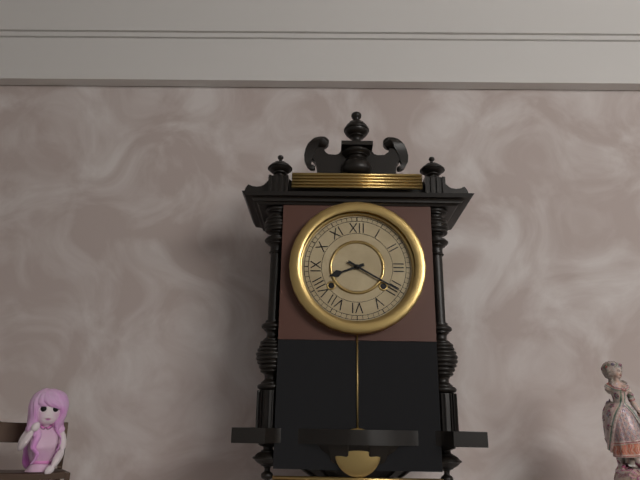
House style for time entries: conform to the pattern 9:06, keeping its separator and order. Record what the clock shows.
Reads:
8:20
